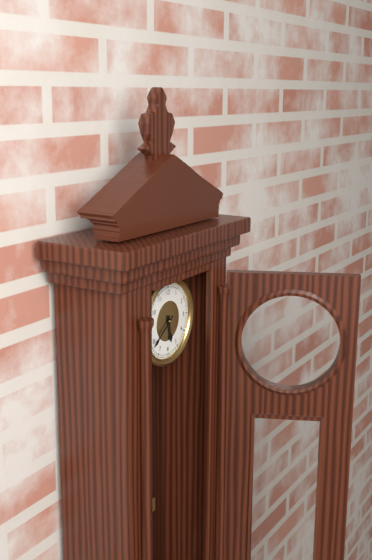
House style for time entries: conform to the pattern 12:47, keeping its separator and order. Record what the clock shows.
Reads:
5:39
